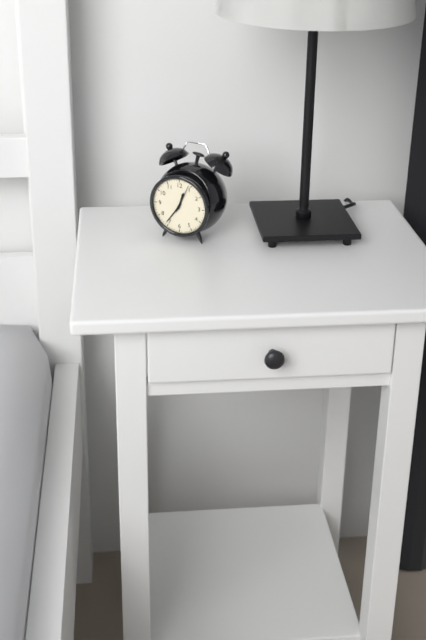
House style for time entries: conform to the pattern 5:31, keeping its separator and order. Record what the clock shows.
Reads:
12:36
